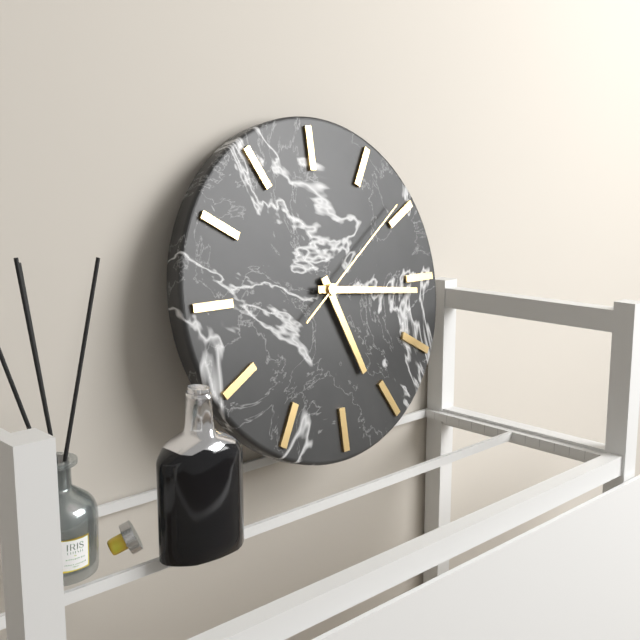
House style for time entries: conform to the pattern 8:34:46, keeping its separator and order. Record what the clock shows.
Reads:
5:16:09
